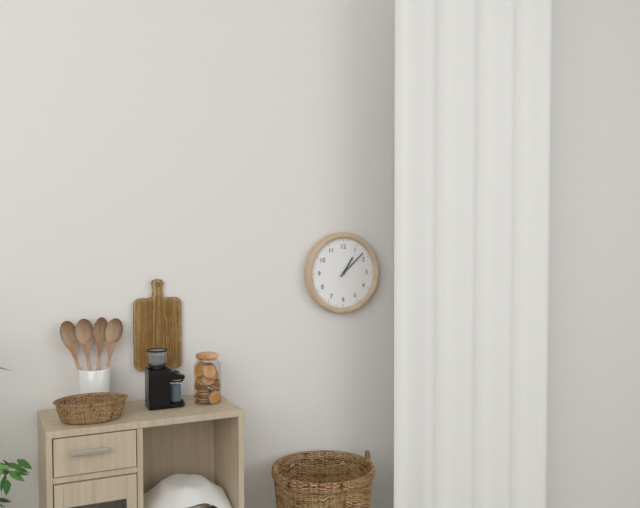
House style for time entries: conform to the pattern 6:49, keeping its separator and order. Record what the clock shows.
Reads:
1:08
